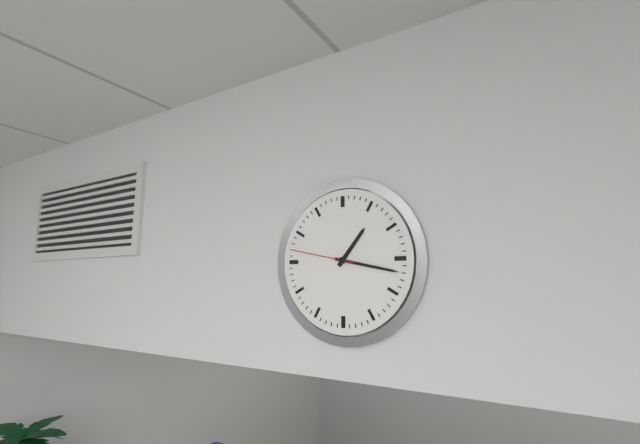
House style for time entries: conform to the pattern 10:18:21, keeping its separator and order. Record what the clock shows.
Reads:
1:17:47
